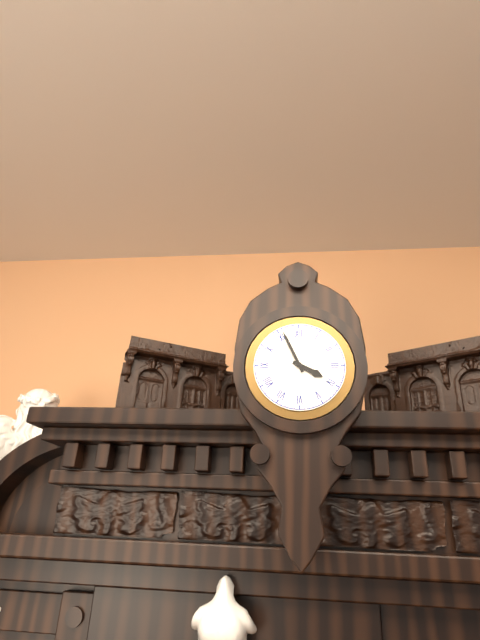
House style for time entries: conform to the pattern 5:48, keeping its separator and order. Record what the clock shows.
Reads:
3:56
